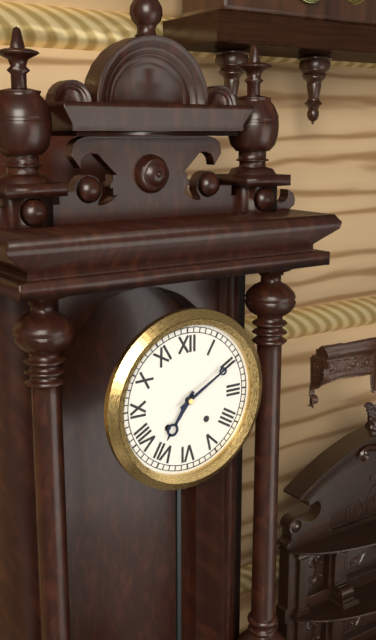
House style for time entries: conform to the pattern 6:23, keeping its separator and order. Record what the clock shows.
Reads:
7:10
